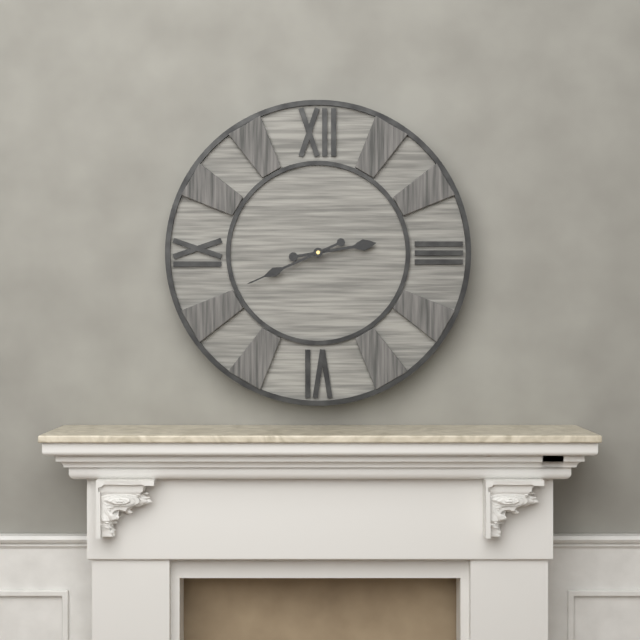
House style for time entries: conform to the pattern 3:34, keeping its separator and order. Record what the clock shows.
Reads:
2:41
